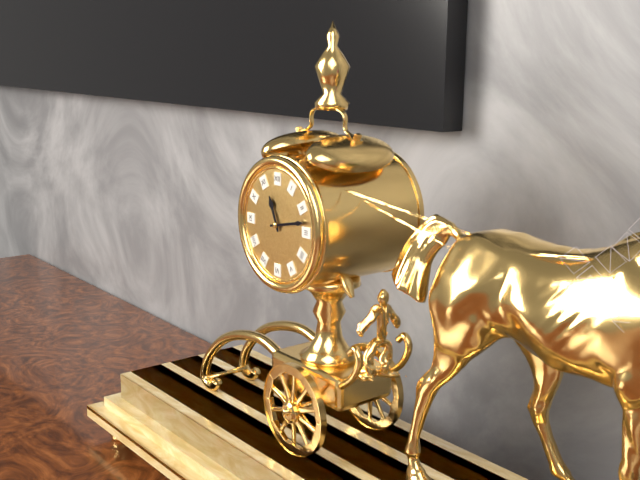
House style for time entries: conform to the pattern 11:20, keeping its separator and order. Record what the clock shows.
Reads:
11:13
